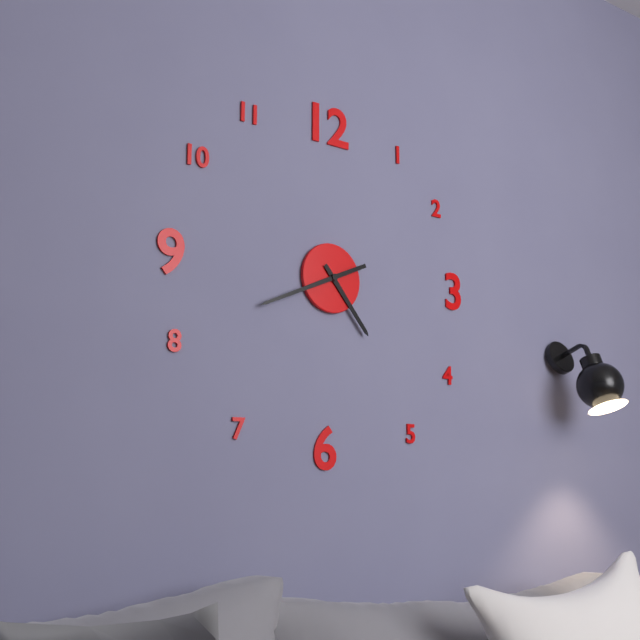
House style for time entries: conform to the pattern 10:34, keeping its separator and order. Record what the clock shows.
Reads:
4:41
